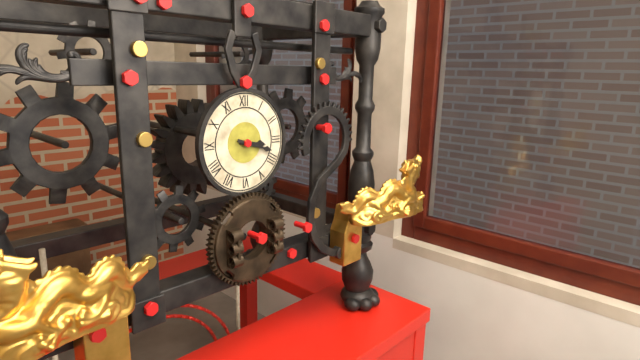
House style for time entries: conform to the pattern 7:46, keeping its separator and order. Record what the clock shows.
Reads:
3:18
